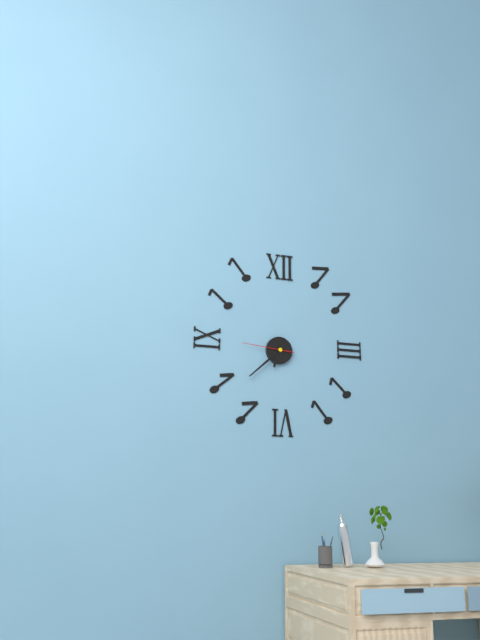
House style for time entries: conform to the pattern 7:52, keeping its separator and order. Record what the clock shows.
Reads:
6:38
